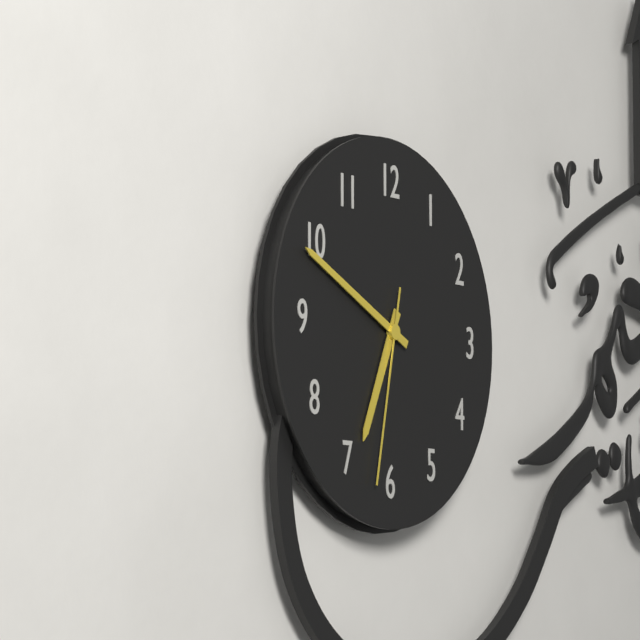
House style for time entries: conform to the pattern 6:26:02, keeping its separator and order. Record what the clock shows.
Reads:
6:49:32
